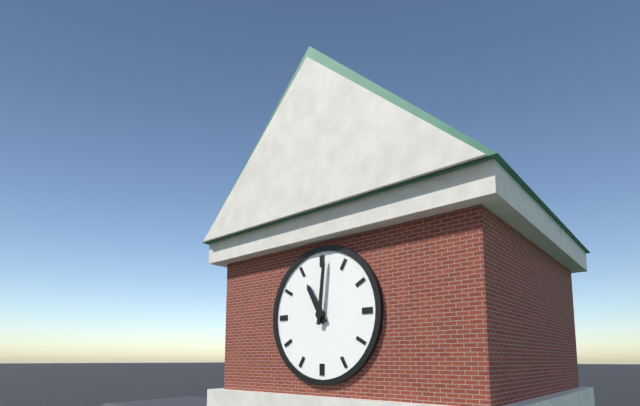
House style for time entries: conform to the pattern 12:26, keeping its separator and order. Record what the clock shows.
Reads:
11:01
